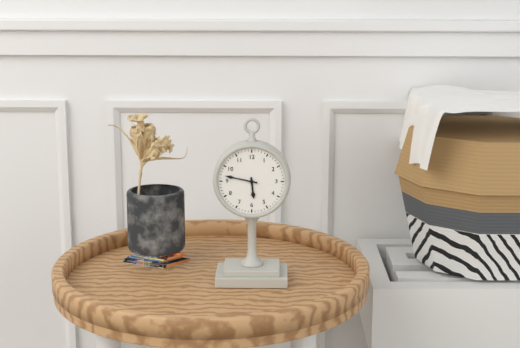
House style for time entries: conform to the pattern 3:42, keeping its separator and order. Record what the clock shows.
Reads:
5:47
